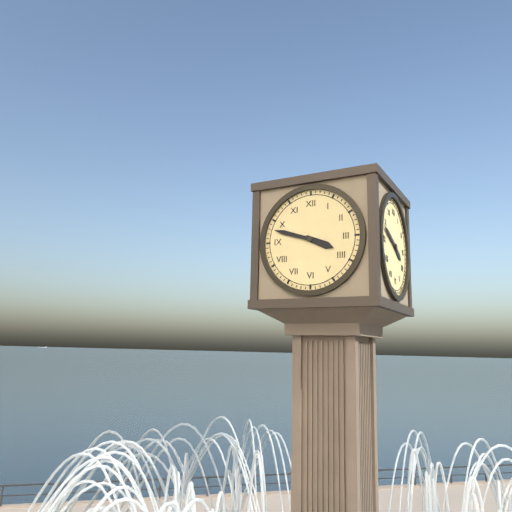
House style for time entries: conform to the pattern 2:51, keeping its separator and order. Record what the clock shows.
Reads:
3:48
